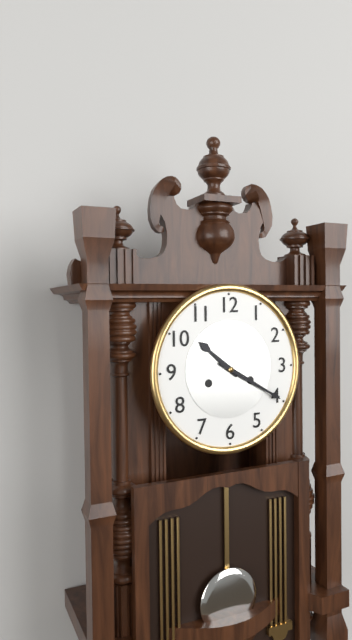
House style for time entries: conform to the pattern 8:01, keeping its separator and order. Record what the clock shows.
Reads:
10:20
